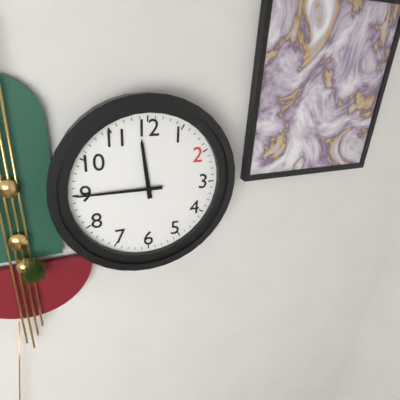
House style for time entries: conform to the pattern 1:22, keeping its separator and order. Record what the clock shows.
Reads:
11:45
